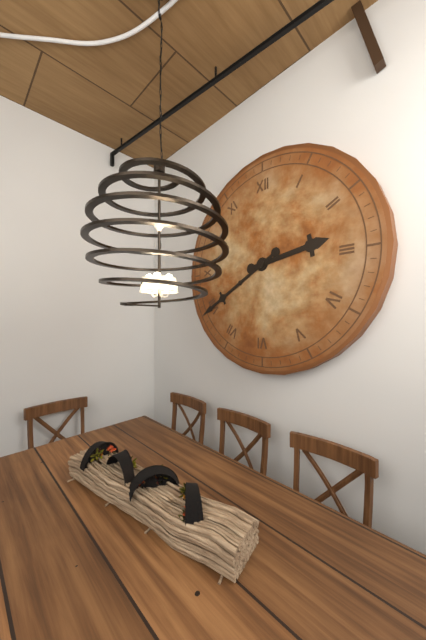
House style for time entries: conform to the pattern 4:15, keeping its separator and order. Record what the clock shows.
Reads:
2:40
